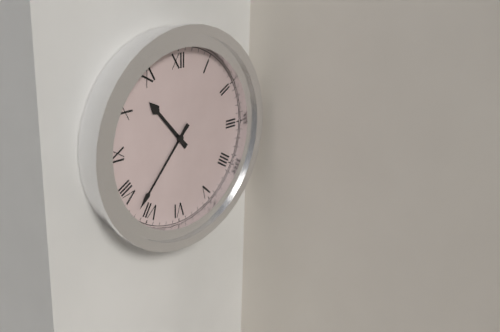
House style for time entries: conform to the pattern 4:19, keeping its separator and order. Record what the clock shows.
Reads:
10:37
